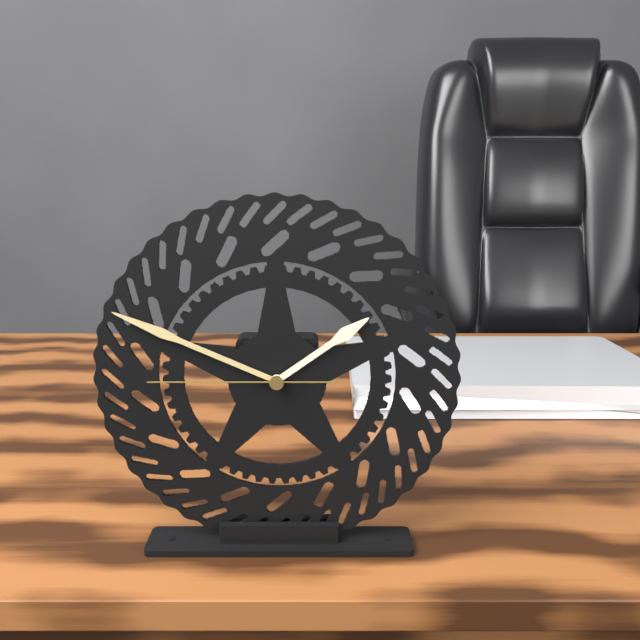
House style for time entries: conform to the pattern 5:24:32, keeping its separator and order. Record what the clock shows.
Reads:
1:49:45
